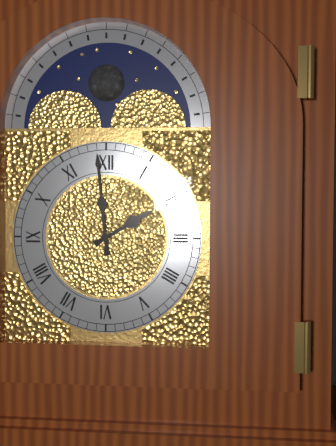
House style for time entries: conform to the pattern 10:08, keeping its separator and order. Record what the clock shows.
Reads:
1:59
